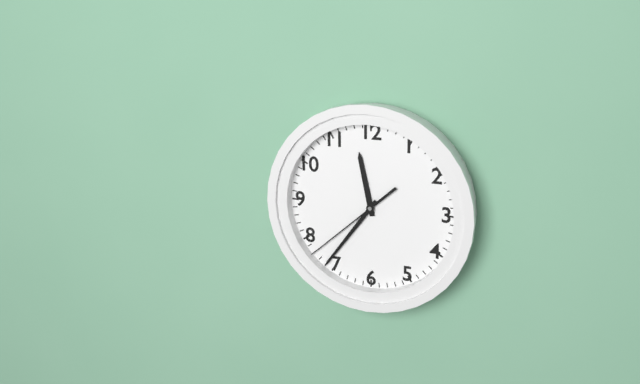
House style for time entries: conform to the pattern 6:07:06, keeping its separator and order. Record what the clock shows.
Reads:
11:36:38
